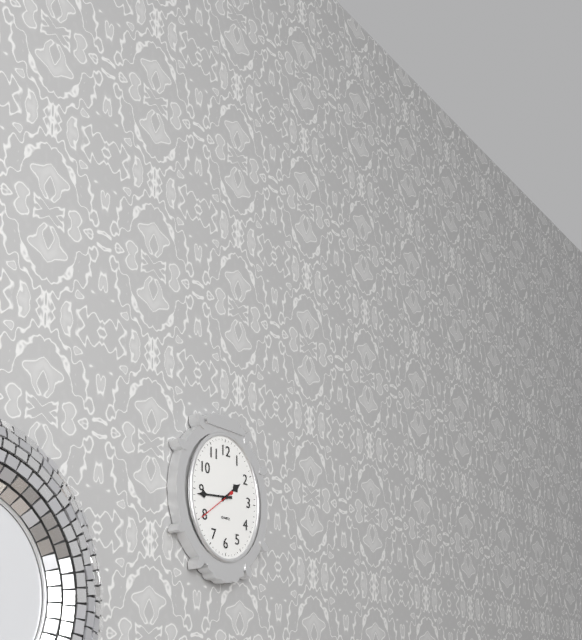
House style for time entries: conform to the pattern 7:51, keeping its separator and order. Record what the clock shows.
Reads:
1:44
